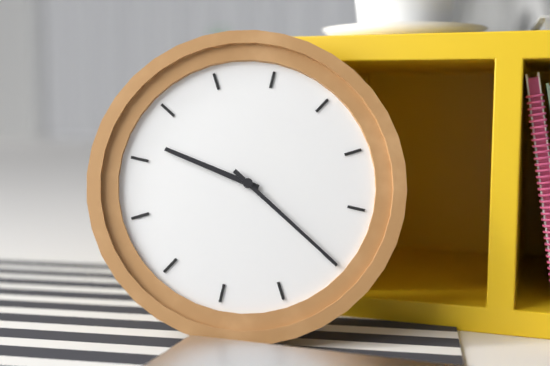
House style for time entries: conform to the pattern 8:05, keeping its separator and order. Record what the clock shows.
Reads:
9:20
